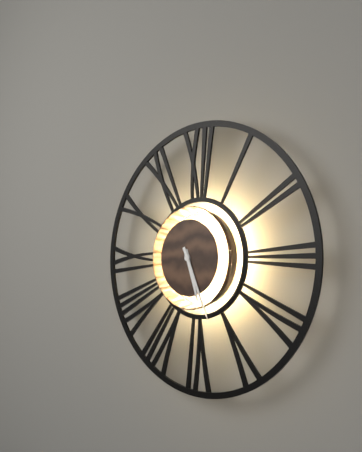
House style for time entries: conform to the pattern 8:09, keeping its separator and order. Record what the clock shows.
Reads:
5:26
